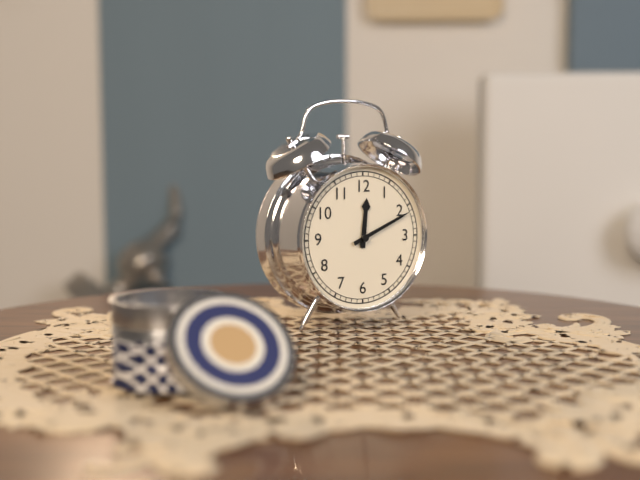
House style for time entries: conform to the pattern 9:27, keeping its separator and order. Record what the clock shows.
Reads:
12:11
